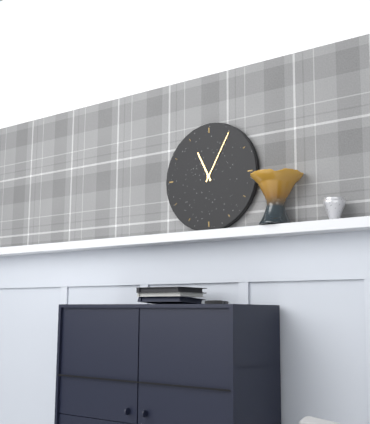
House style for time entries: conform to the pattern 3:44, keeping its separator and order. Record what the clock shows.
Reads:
11:05
